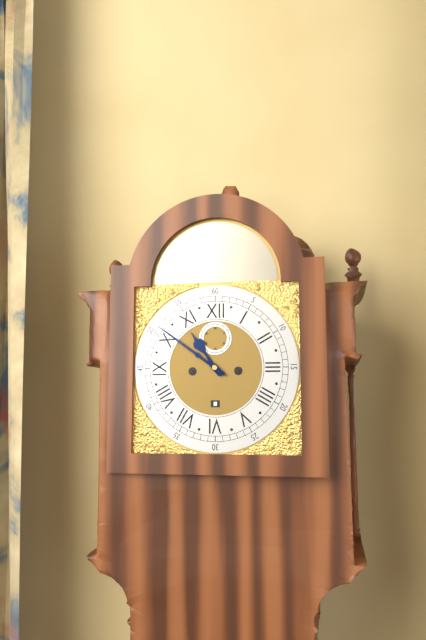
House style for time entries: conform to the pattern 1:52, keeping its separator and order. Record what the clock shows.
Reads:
10:51
